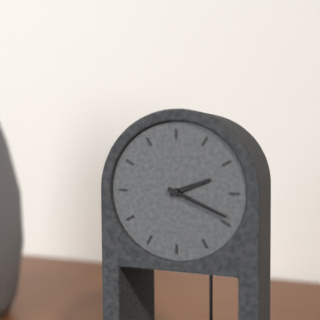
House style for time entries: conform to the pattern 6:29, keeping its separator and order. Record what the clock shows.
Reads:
2:19
